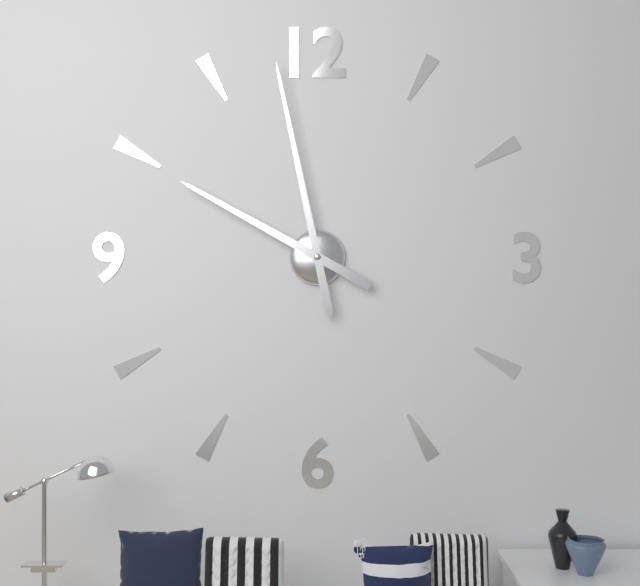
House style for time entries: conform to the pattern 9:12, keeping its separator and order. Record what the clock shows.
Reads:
9:58
